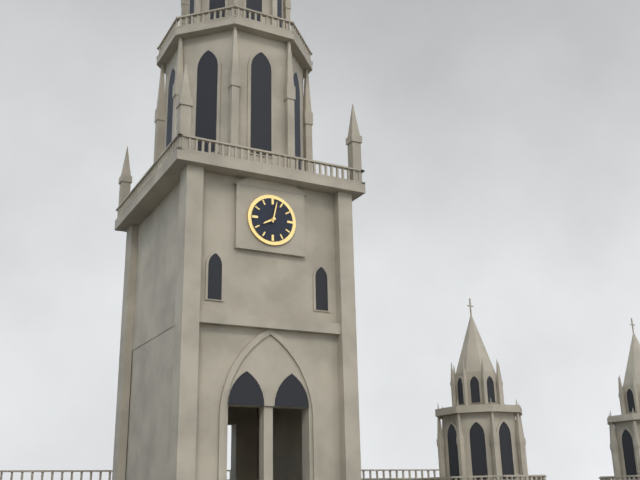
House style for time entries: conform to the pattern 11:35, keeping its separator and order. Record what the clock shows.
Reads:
8:02
